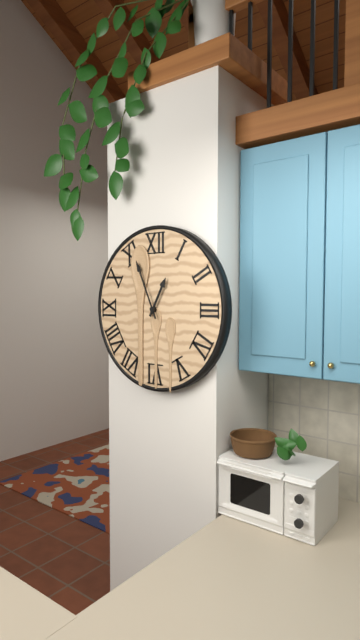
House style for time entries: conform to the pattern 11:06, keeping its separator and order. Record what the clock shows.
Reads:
12:56
